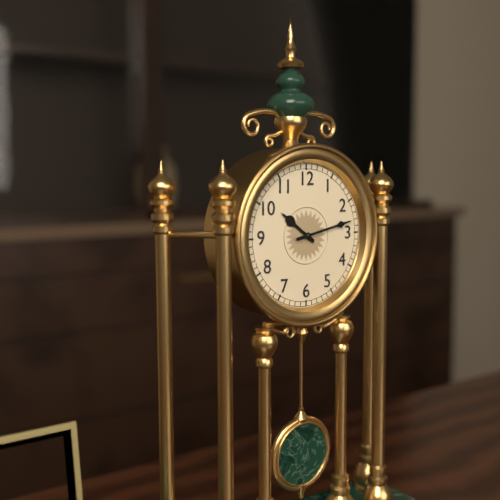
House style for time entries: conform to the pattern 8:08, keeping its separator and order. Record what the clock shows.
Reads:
10:13
